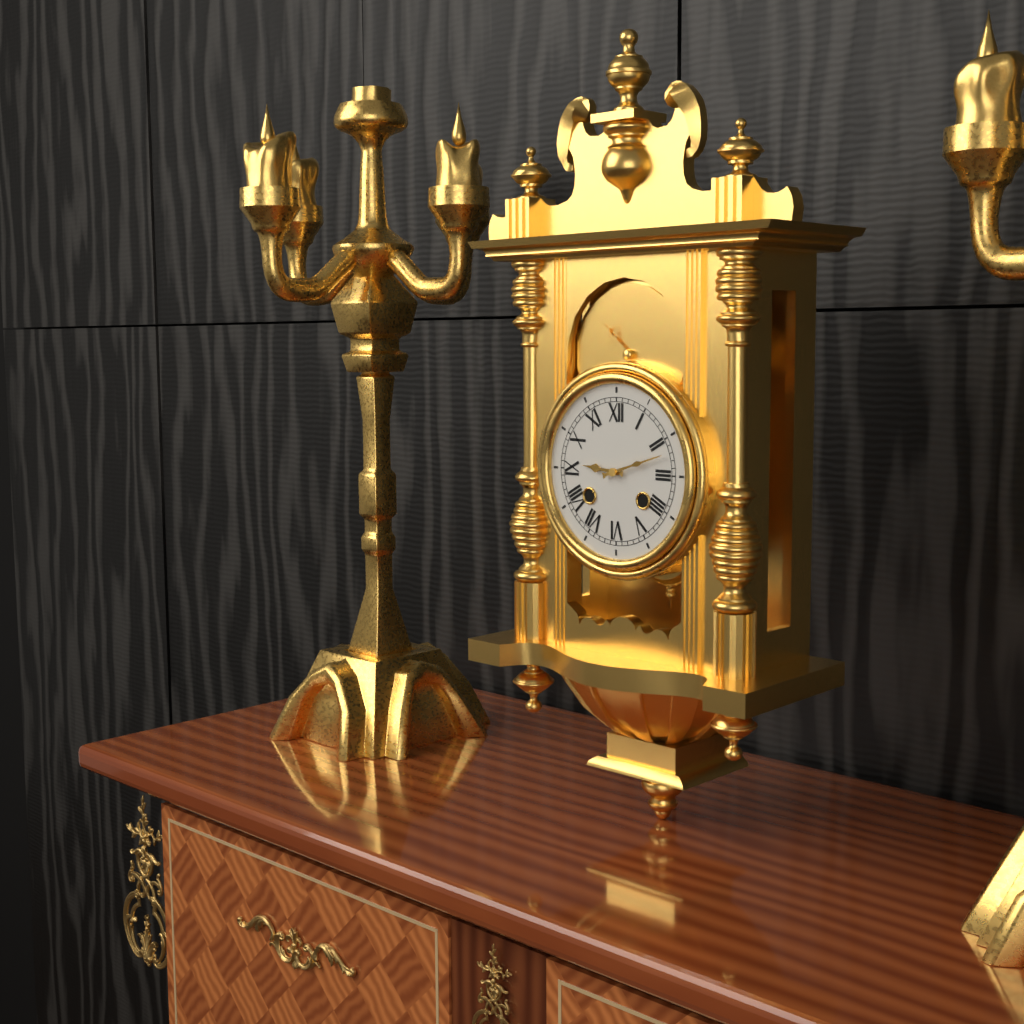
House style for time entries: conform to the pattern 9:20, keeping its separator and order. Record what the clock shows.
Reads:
9:12
